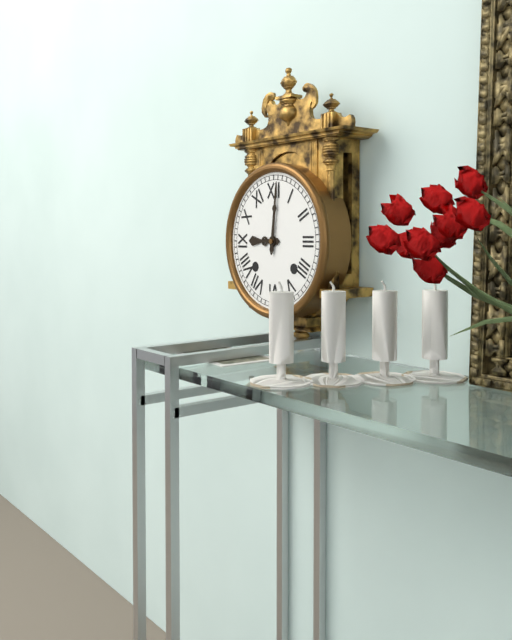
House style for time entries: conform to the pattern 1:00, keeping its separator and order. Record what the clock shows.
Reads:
9:01
